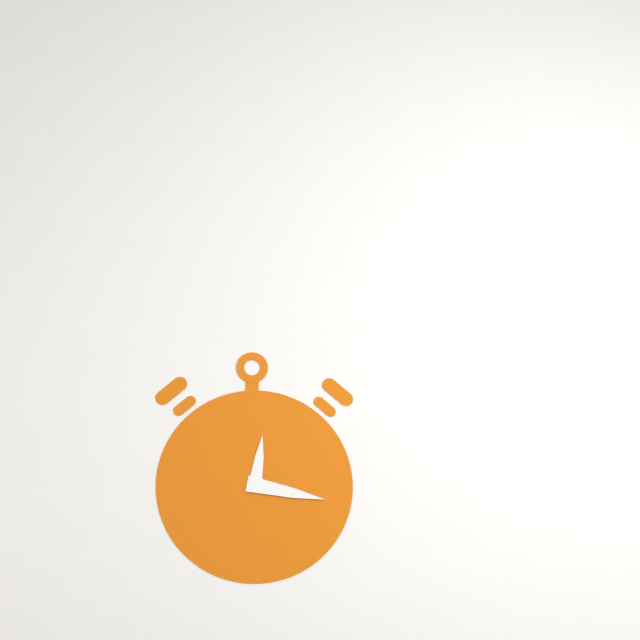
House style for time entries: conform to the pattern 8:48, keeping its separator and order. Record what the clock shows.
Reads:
12:17
